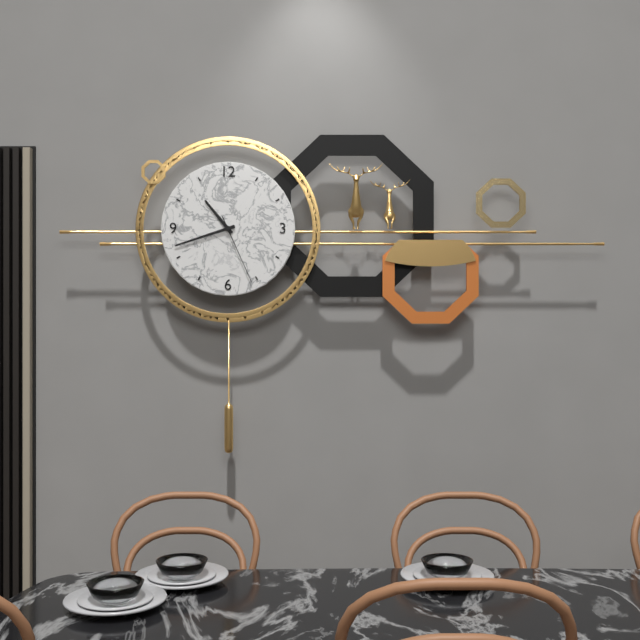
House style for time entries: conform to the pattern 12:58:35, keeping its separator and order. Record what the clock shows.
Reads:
10:42:26
